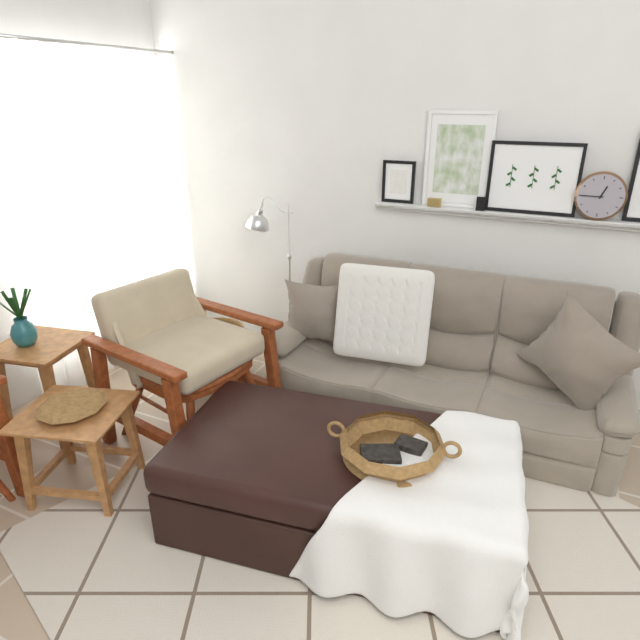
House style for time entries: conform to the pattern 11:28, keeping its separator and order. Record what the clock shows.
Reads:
12:45
